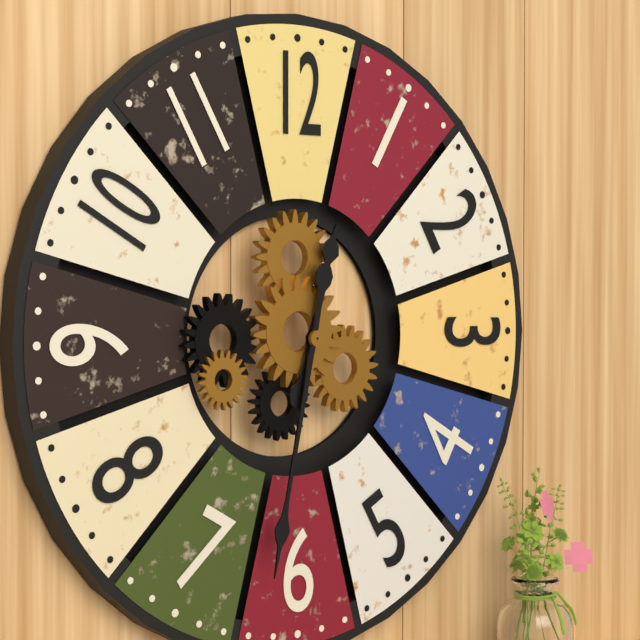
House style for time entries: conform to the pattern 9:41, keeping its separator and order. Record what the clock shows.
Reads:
12:32
